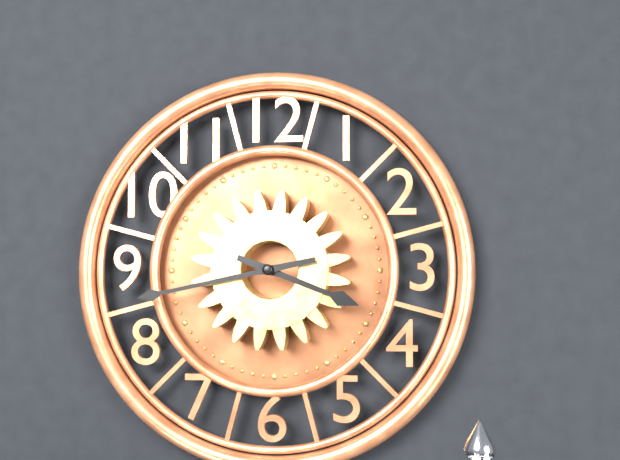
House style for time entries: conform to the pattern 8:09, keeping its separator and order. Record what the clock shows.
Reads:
3:43
